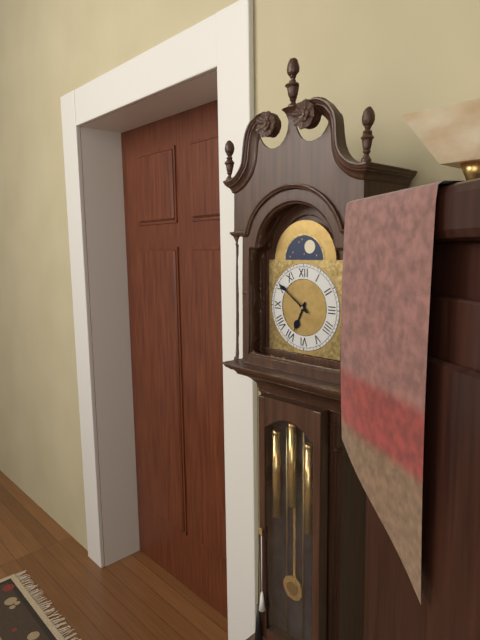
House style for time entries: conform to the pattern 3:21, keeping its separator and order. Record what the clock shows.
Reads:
6:51
